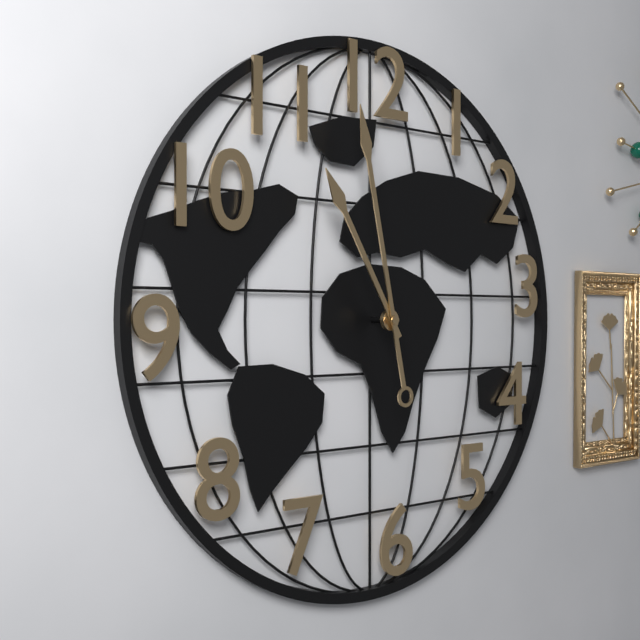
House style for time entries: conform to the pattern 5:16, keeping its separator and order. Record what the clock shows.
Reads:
10:58
